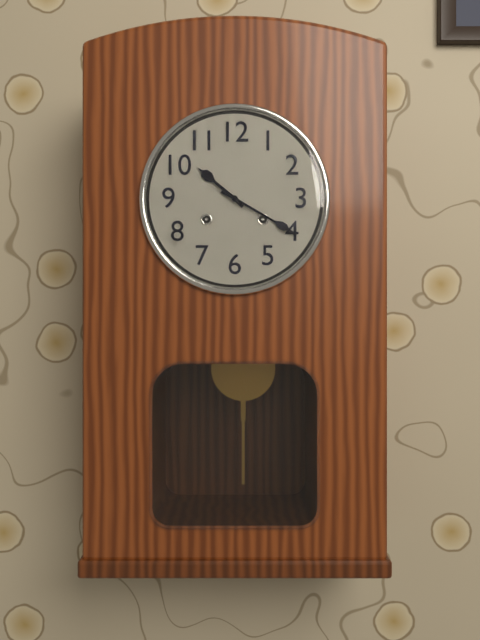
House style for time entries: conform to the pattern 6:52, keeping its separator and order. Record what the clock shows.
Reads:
10:20
